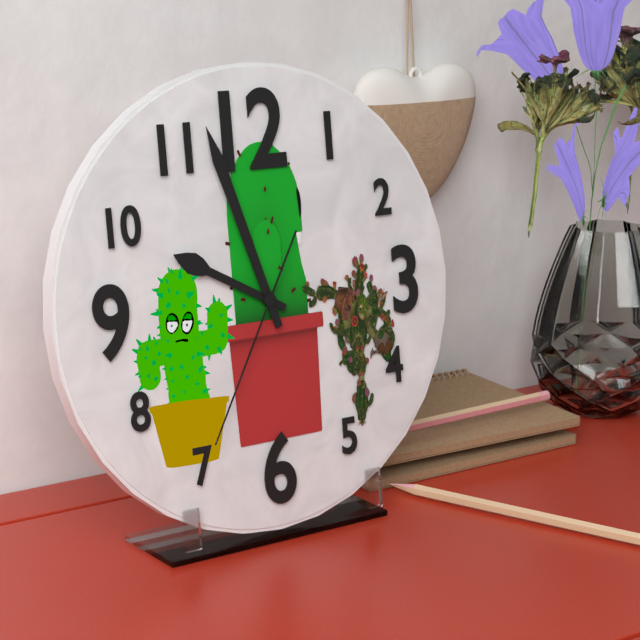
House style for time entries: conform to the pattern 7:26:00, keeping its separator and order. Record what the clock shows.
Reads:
9:57:35
